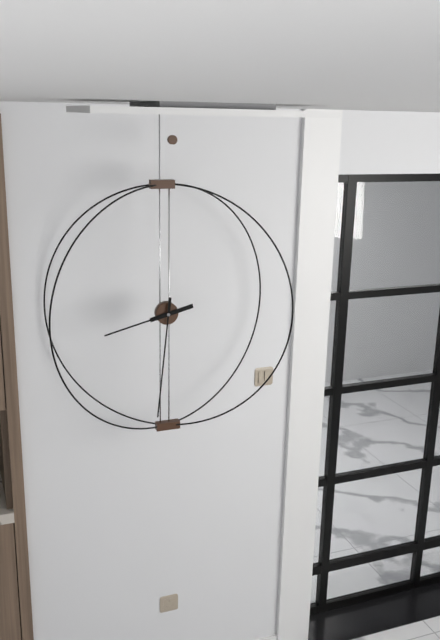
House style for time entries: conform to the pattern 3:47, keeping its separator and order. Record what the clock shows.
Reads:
8:31
